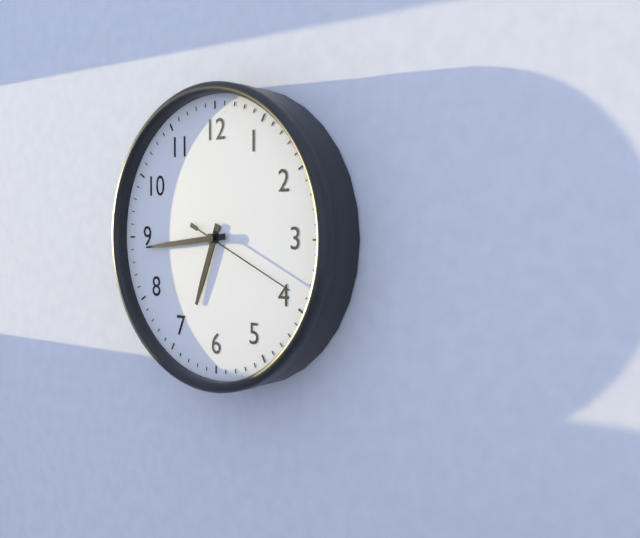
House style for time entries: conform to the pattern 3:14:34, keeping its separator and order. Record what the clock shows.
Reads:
6:44:19
